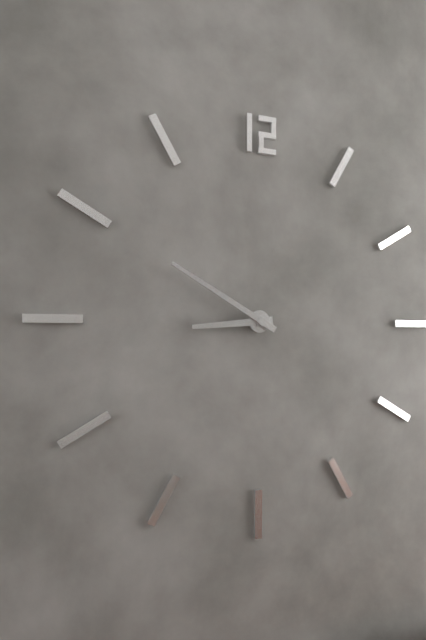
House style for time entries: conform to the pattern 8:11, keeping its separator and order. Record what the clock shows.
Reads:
8:50
